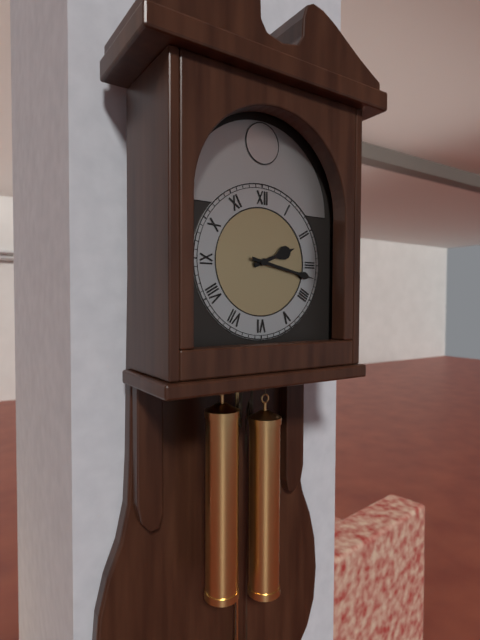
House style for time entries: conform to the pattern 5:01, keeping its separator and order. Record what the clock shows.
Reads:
2:17
